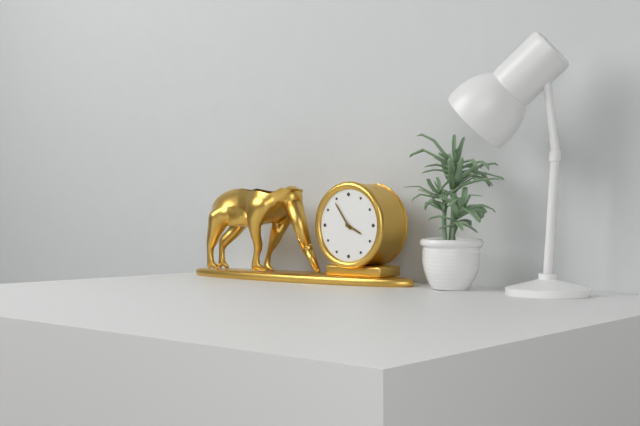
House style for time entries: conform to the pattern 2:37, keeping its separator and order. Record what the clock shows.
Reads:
3:54
